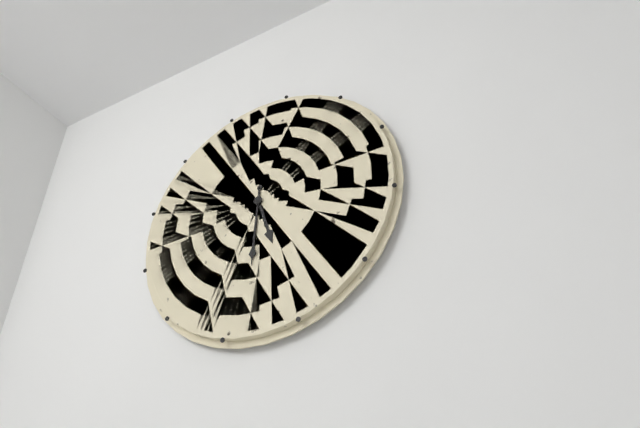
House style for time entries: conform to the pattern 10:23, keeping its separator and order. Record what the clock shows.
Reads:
5:31
